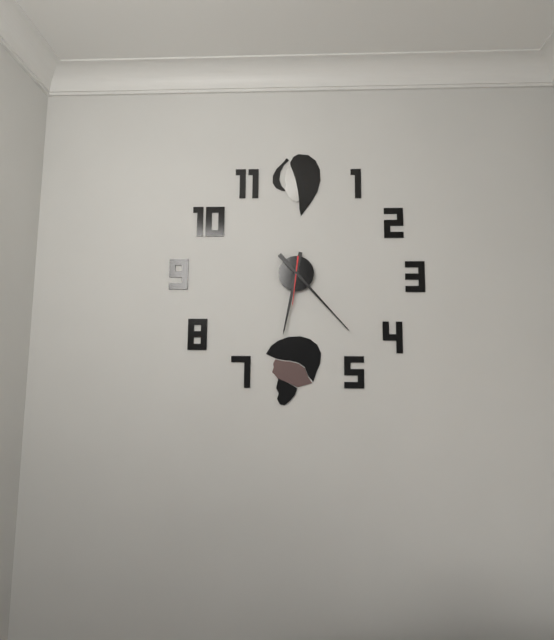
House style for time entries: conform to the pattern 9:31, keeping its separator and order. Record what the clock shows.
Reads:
6:23
